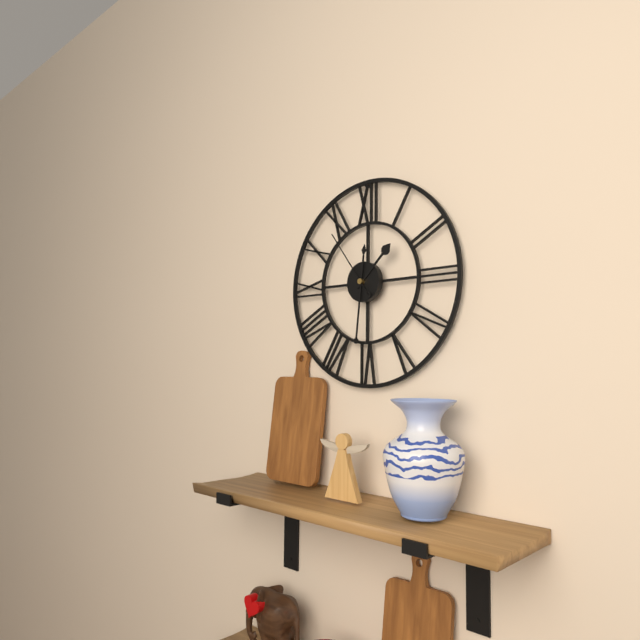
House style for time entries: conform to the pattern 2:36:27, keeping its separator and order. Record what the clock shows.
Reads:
1:31:54
